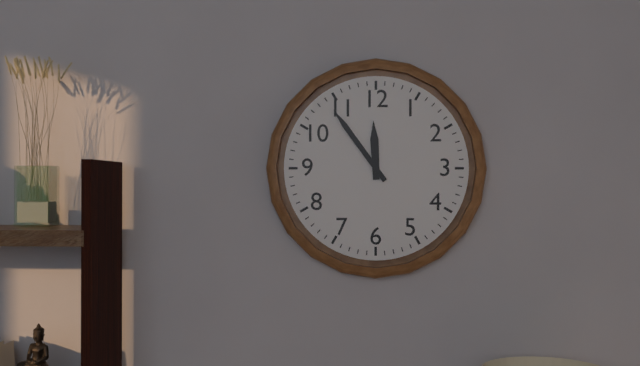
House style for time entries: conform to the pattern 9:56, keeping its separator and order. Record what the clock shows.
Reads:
11:54
